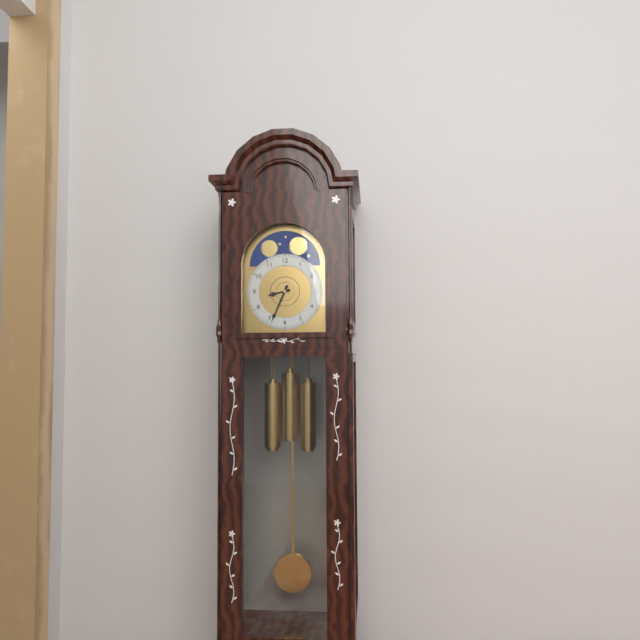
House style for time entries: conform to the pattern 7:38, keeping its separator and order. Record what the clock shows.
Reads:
8:34
